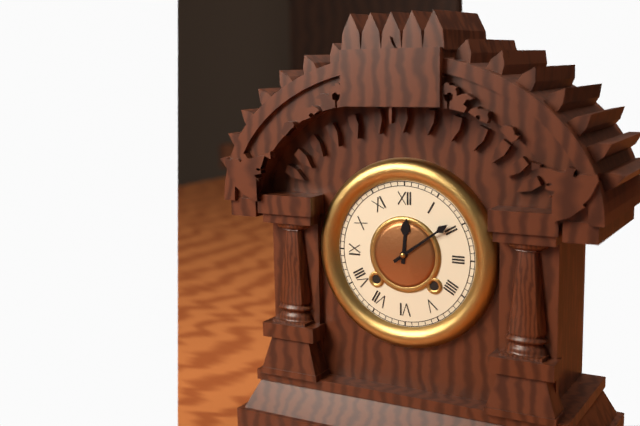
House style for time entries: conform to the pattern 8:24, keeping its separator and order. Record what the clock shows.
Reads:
12:09
